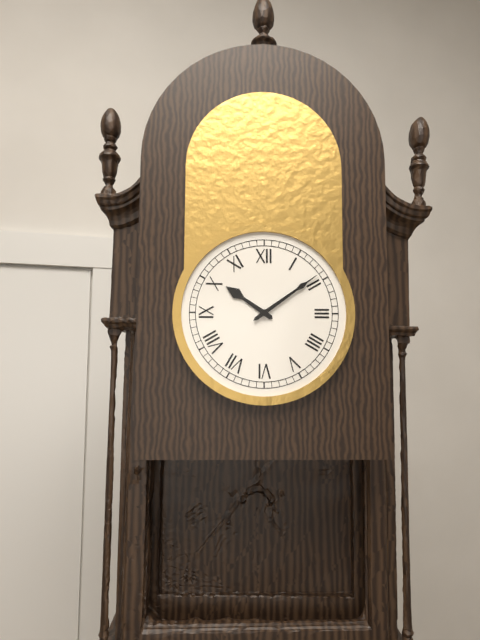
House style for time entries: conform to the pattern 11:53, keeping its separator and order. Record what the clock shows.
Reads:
10:09
